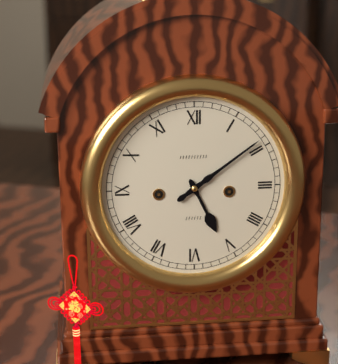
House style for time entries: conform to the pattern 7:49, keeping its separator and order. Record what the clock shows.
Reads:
5:09
